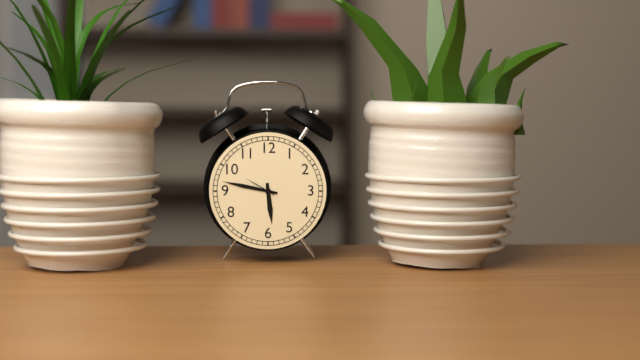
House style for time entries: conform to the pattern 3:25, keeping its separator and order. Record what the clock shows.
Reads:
5:47
